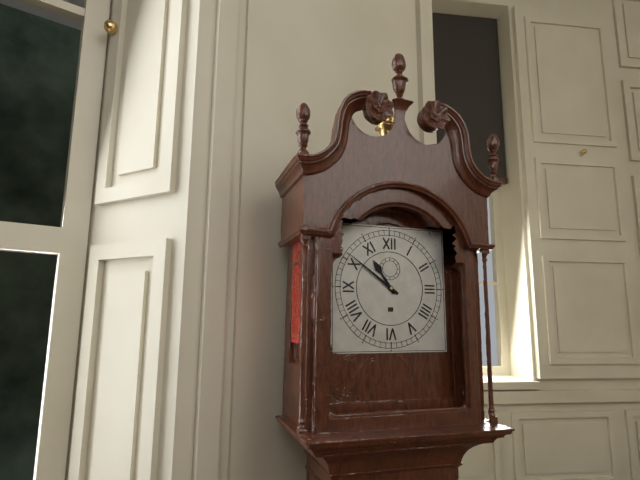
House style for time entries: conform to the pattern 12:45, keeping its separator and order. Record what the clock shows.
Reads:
10:51
